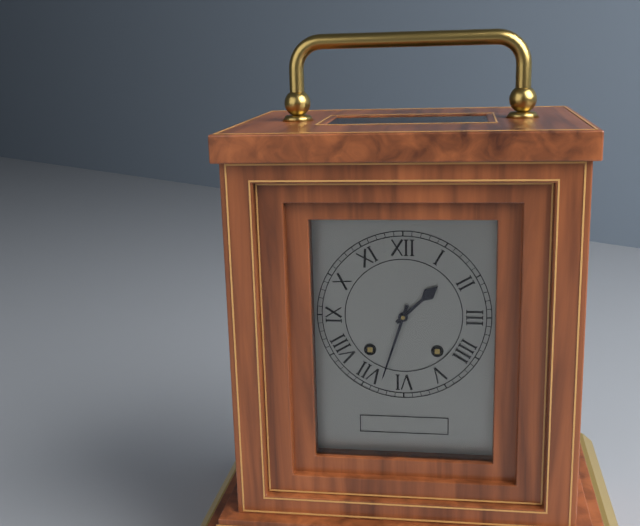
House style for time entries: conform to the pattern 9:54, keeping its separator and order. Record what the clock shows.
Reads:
1:33
